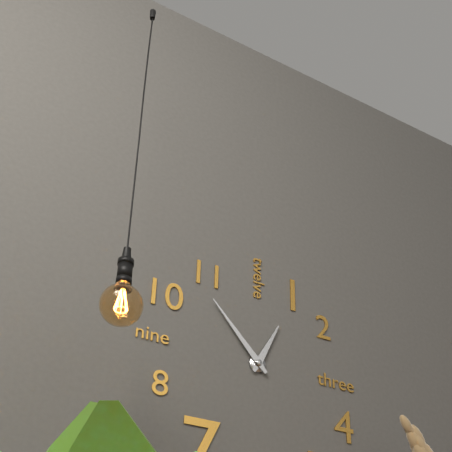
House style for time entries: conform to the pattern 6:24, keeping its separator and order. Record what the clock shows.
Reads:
12:53
